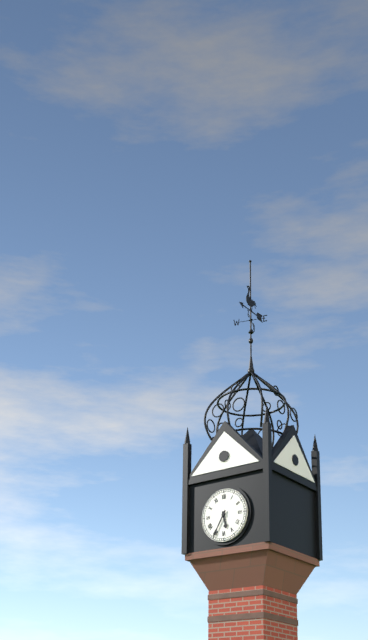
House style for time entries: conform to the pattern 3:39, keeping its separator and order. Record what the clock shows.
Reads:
5:35
